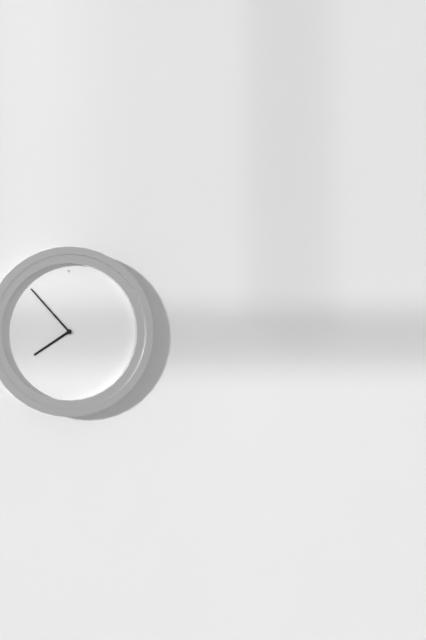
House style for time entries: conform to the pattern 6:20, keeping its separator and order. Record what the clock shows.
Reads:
7:53
